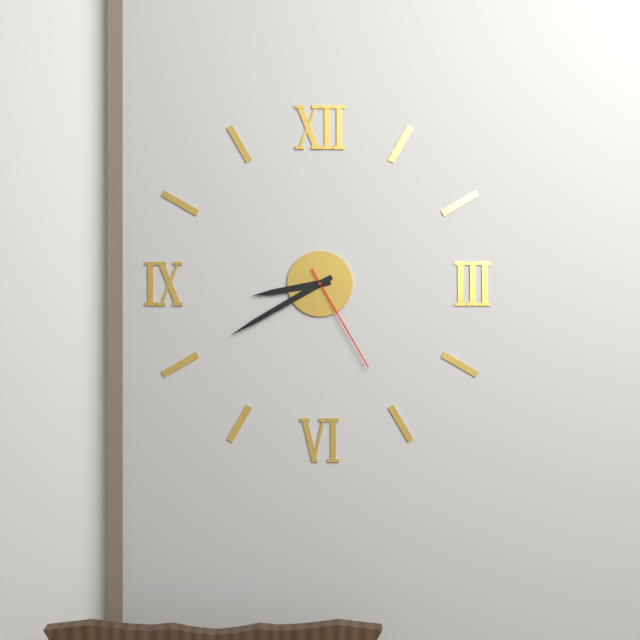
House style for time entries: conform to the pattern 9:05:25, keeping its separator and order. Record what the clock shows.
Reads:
8:40:25
